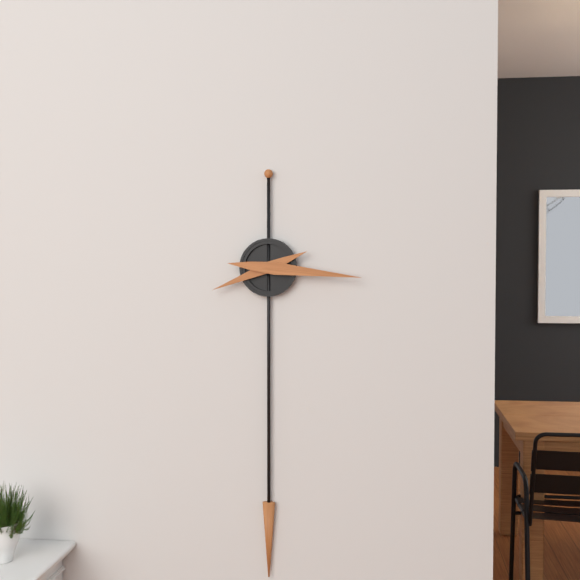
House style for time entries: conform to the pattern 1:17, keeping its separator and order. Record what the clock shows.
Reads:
8:16
